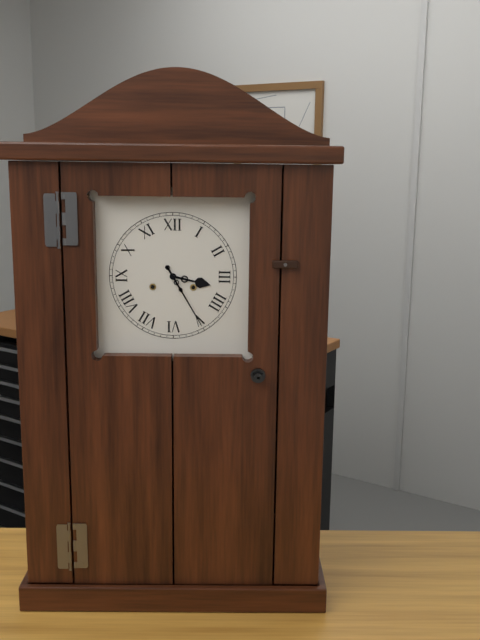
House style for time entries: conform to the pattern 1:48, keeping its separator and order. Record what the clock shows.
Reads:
3:25
